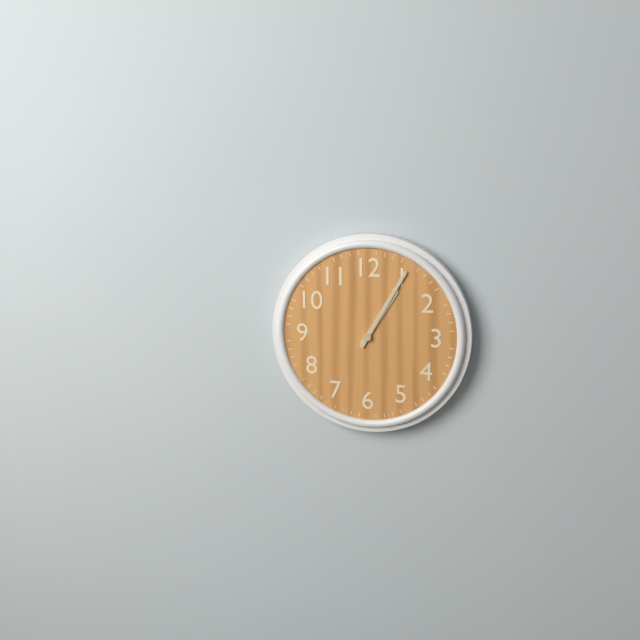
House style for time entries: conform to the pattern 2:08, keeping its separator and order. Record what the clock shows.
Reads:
1:05
